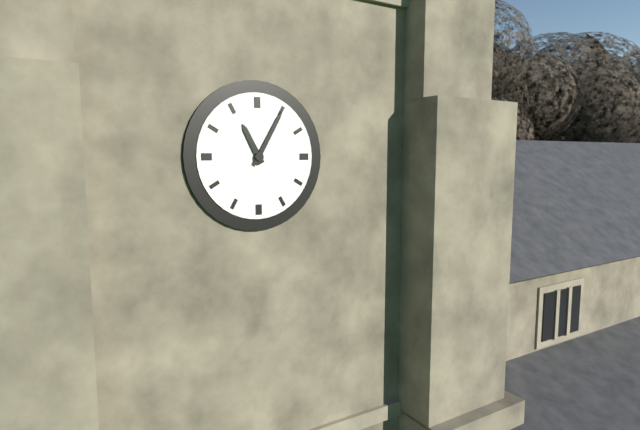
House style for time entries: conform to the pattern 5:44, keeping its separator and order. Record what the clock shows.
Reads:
11:05
